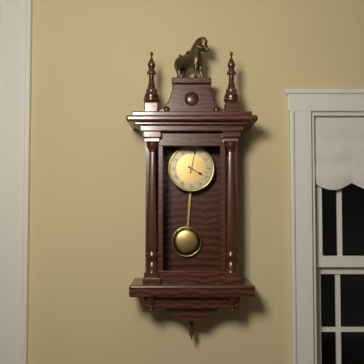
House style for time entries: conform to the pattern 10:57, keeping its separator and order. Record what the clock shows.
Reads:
4:02
